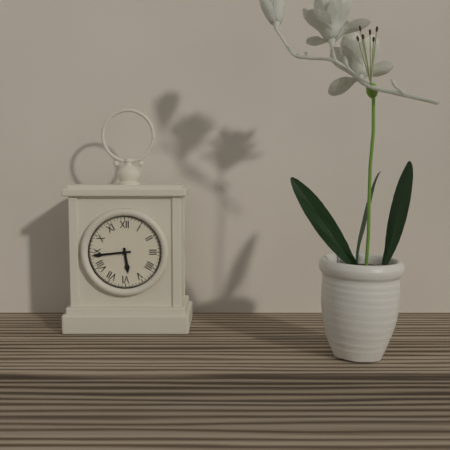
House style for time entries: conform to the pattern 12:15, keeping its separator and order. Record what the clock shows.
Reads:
5:44
